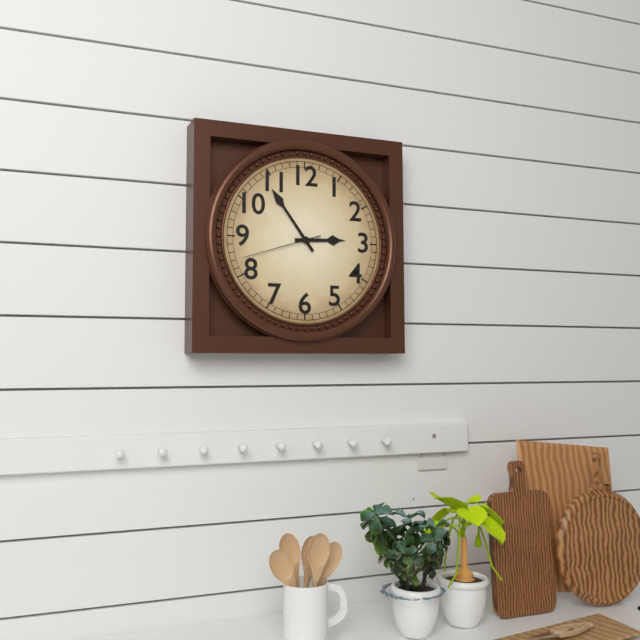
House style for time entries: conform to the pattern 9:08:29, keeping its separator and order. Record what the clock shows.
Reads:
2:54:42
